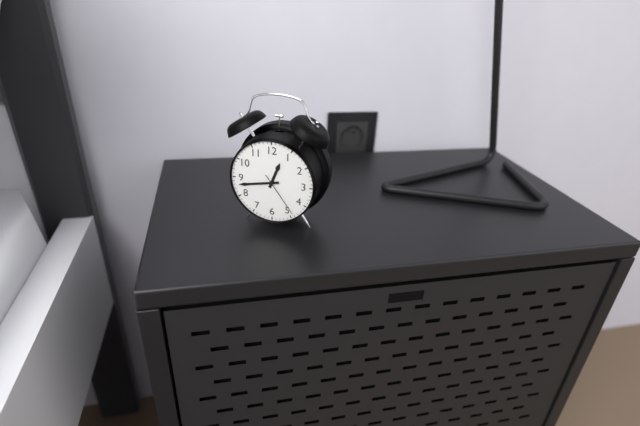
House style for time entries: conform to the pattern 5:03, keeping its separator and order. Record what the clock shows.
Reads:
12:43
